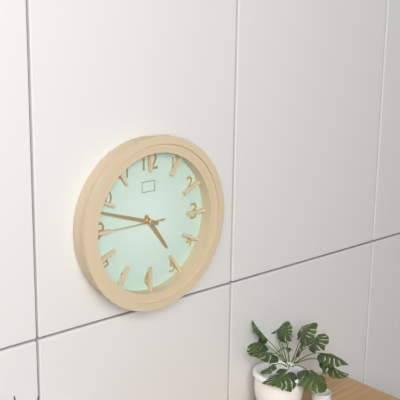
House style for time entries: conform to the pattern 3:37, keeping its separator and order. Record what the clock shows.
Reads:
4:48
